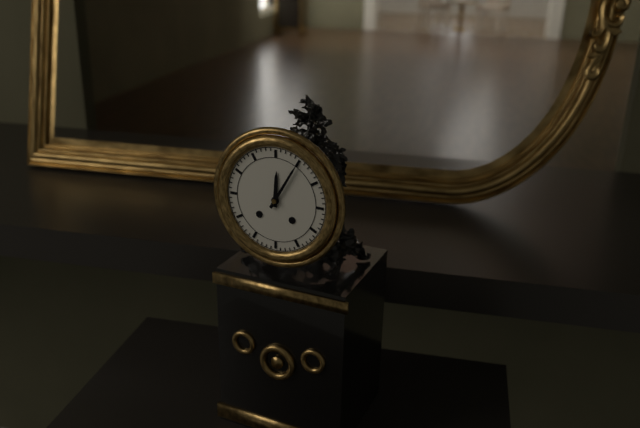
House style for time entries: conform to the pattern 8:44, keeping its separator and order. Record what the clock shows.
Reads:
12:05
